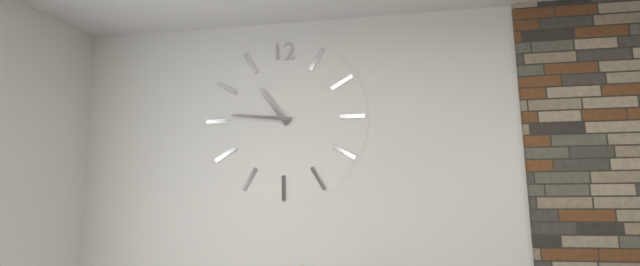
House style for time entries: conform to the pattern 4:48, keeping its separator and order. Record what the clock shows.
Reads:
10:46
